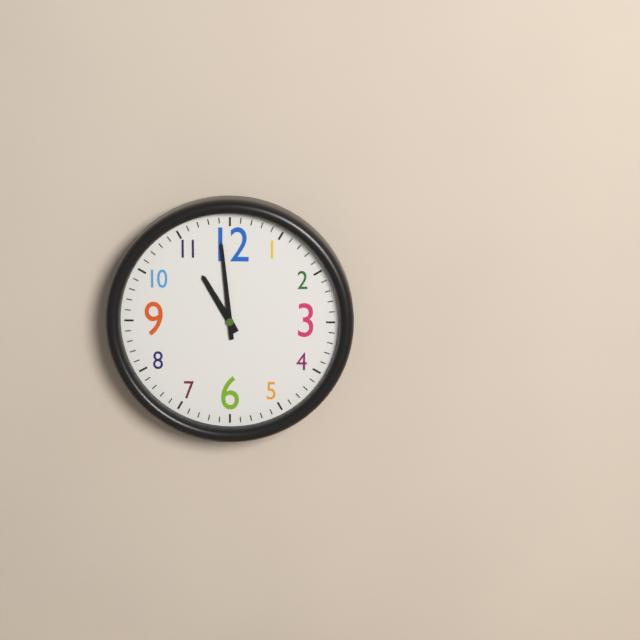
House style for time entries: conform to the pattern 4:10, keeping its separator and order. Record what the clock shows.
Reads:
10:59
